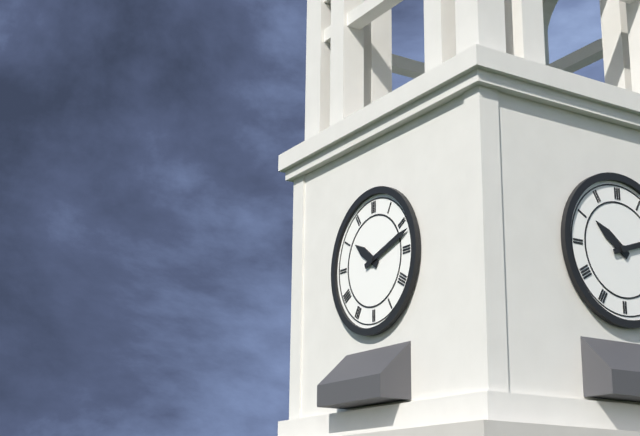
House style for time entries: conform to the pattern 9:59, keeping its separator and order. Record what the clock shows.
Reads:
10:12
